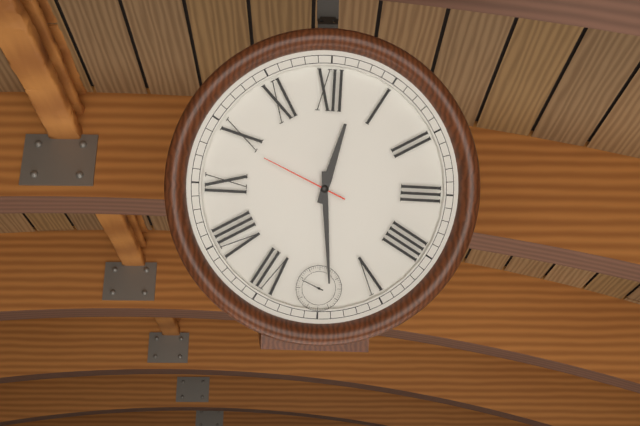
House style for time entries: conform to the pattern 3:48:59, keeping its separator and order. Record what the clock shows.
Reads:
12:29:49
